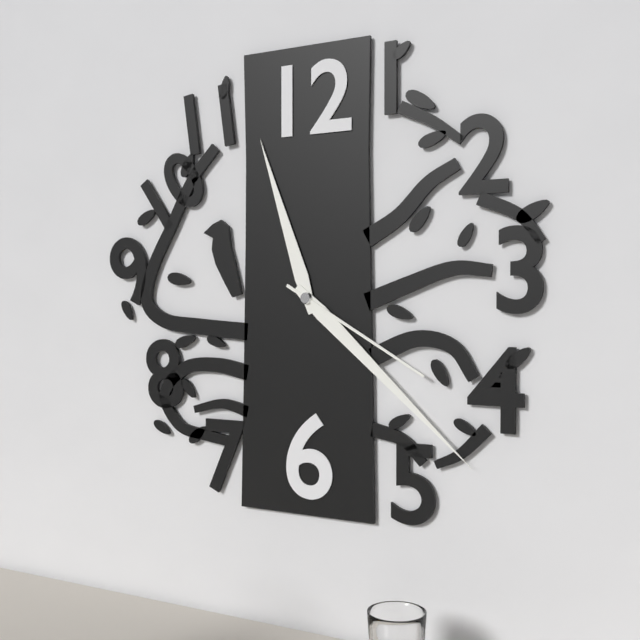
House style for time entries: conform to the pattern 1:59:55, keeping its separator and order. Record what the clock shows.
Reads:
11:22:20
